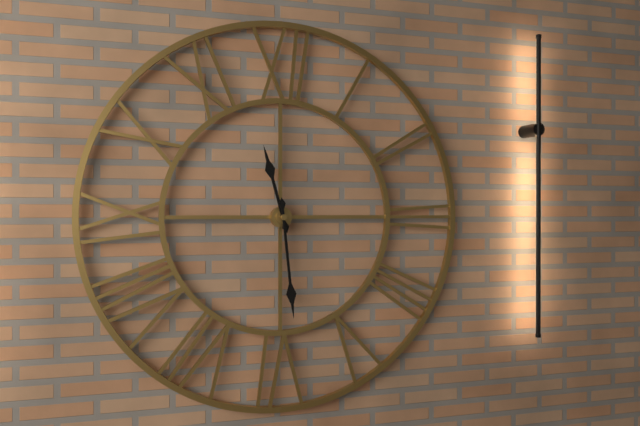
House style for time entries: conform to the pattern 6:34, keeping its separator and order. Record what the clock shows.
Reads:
11:29
